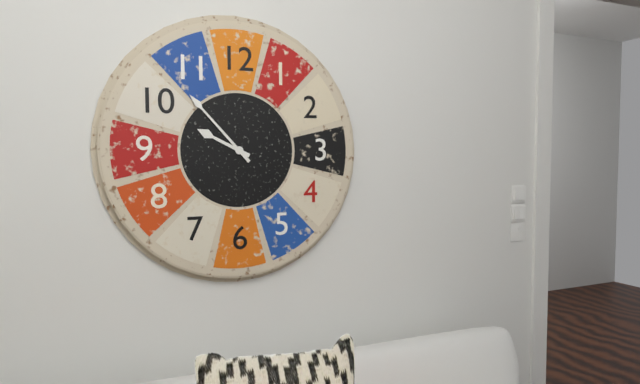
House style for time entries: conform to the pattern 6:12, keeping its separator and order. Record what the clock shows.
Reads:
9:53
